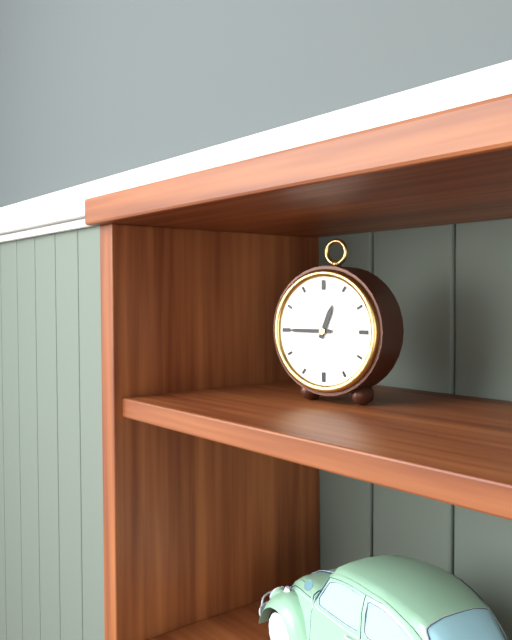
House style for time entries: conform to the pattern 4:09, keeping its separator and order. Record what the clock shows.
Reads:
12:45
